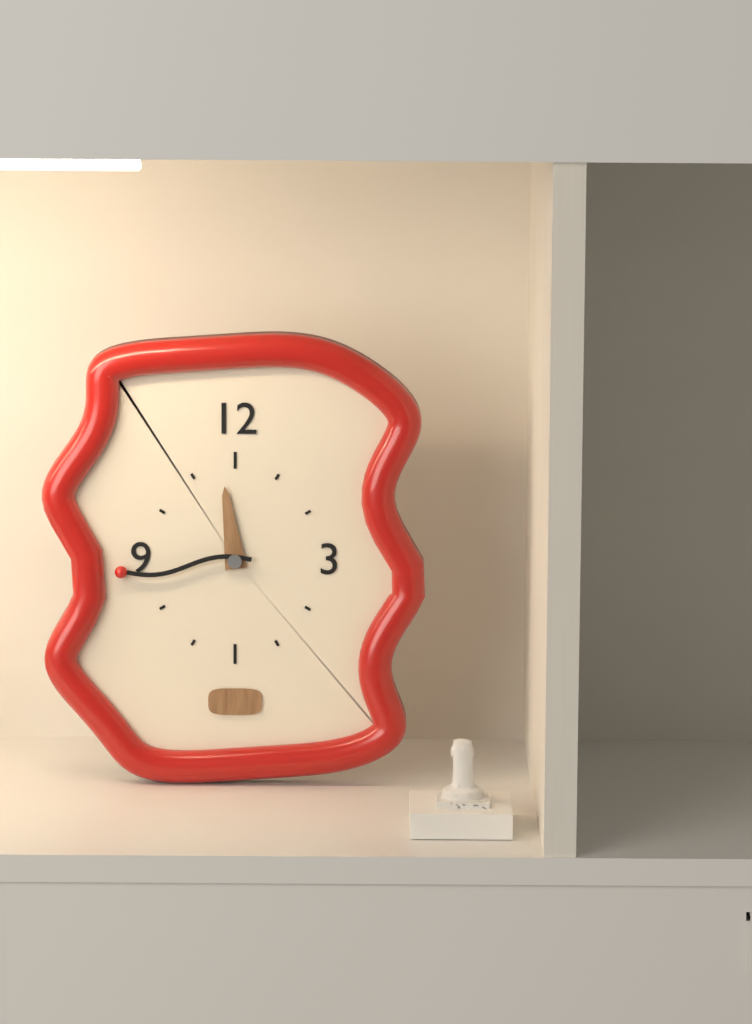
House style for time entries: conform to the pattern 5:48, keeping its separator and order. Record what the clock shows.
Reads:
11:44
